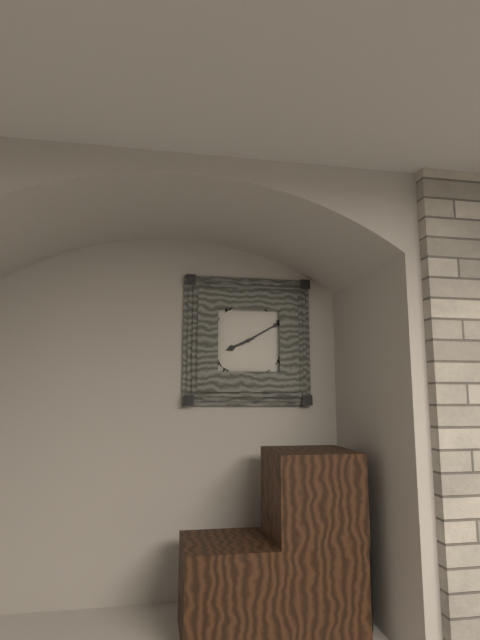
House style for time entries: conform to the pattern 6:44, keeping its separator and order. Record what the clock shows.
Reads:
8:10
